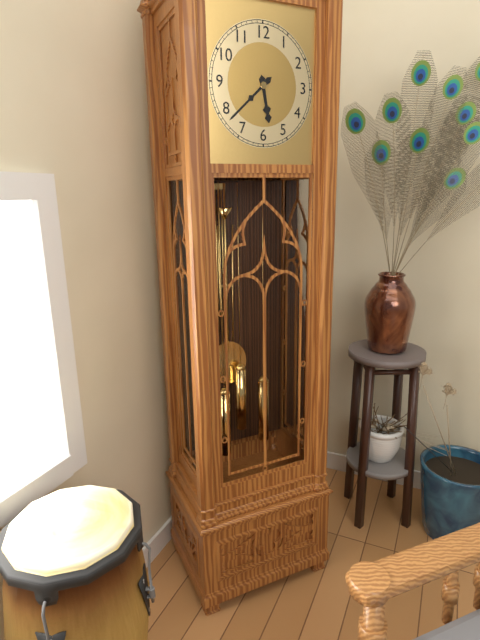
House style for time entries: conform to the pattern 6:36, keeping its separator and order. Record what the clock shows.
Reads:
5:38
